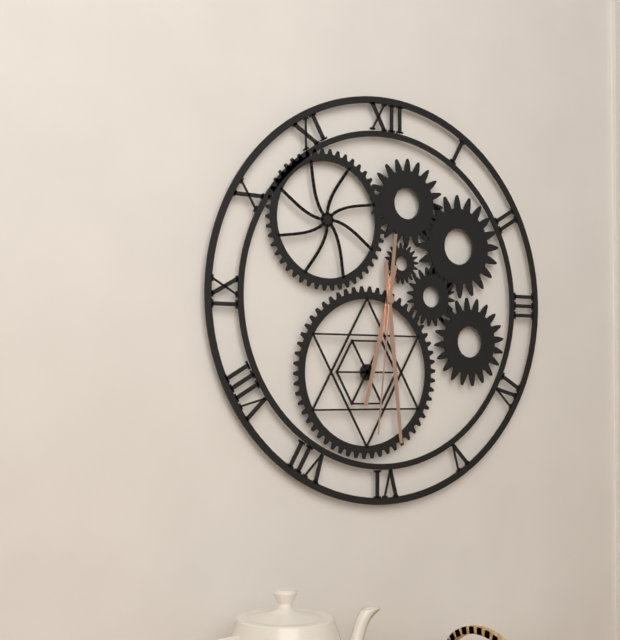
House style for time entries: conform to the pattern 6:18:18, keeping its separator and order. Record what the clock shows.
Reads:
6:29:31
